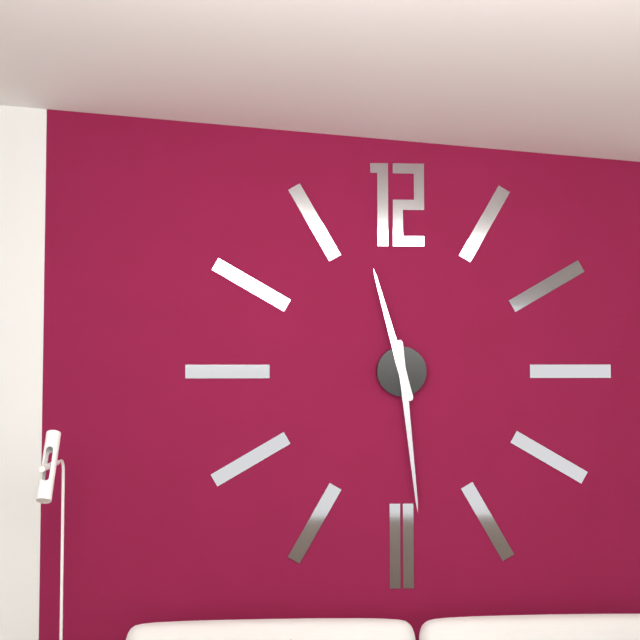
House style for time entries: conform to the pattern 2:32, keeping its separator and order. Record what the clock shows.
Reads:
11:29
